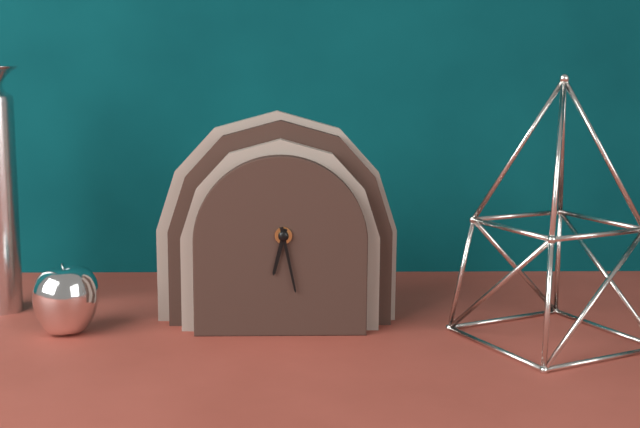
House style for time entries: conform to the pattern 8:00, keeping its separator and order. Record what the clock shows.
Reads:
6:28
